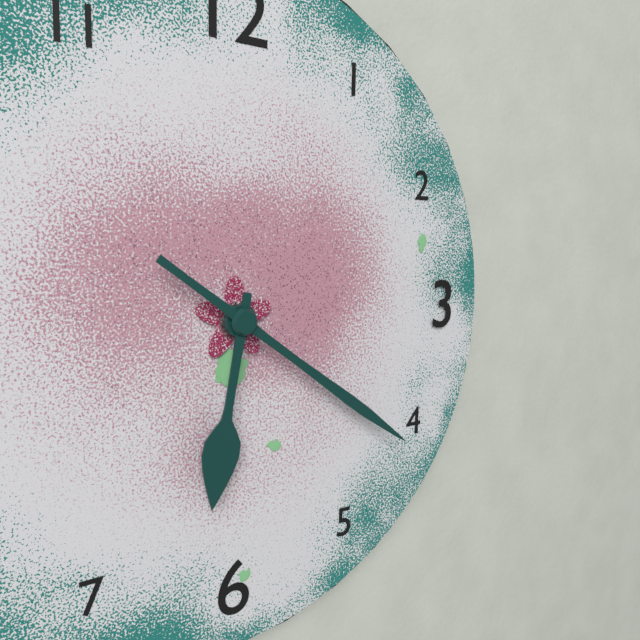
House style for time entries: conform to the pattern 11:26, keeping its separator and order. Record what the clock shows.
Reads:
6:21
